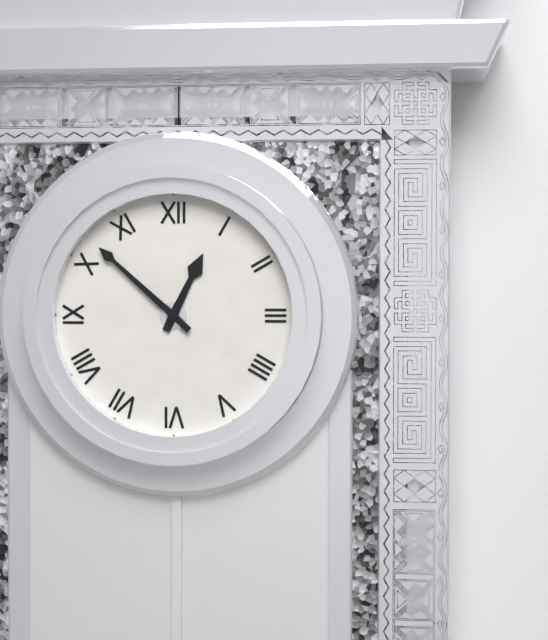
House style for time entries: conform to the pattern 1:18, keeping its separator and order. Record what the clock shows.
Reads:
12:52
